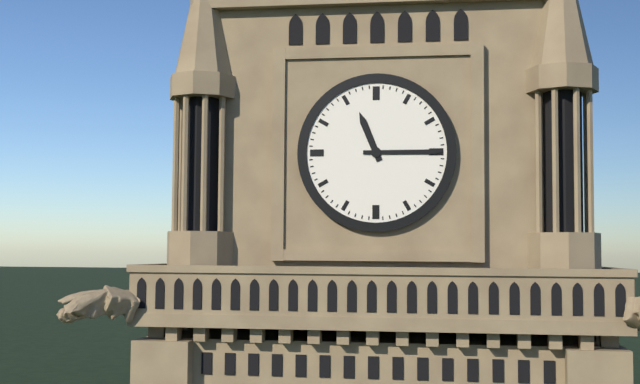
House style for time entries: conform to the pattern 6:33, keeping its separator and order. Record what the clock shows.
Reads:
11:15
